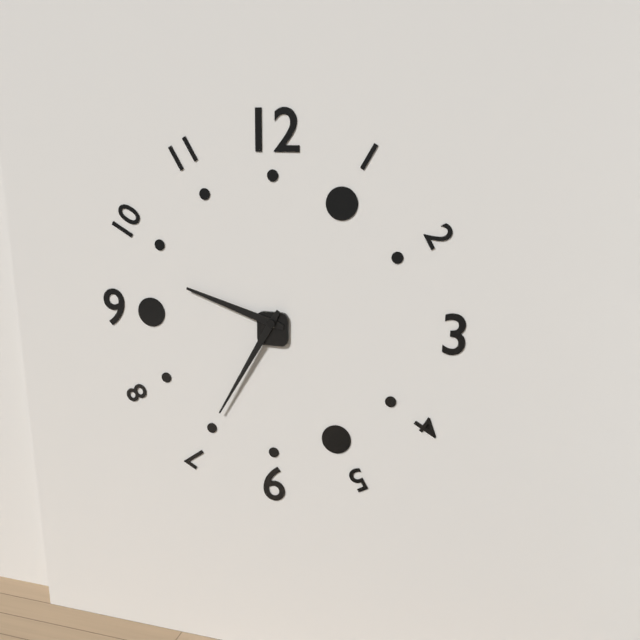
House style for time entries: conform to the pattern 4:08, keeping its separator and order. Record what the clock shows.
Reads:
9:35
